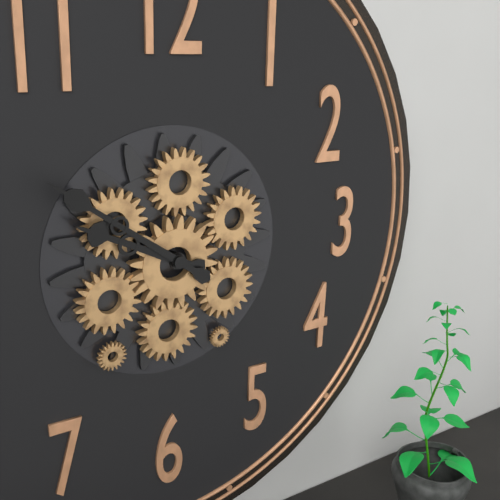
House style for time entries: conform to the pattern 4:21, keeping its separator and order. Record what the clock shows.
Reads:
9:51
